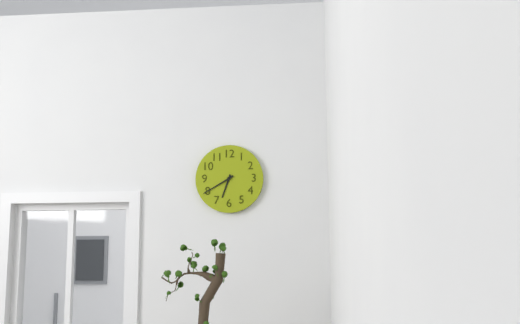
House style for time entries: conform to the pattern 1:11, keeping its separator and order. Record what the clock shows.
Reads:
6:40
